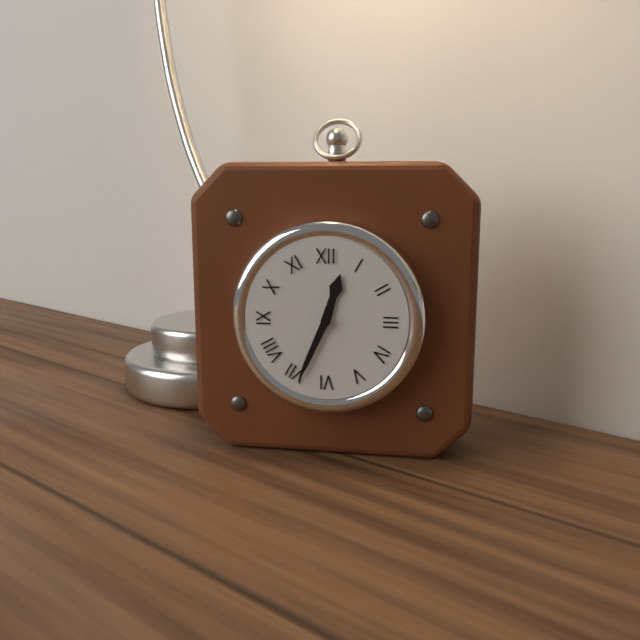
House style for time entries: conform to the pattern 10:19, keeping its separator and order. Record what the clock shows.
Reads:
12:34
